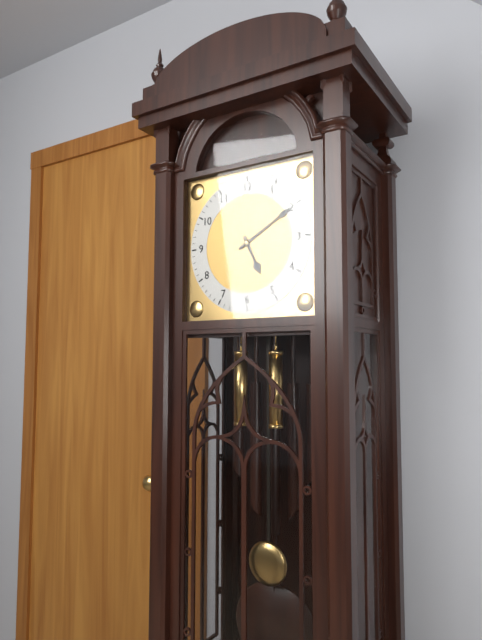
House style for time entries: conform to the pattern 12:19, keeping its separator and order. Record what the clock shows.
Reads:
5:10
